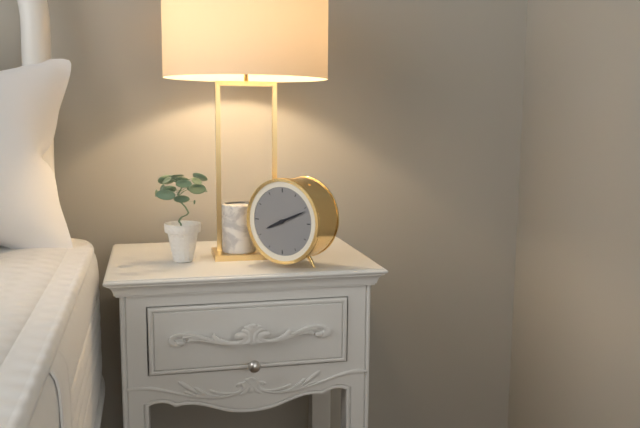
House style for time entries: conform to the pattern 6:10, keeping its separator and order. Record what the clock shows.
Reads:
8:11
